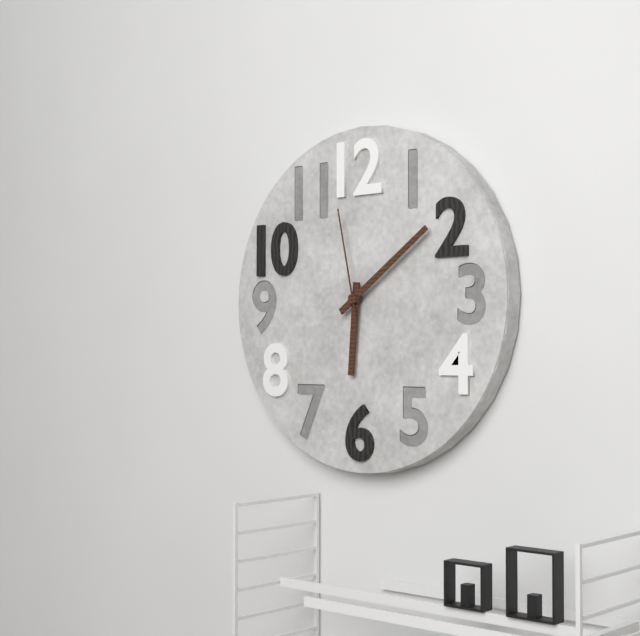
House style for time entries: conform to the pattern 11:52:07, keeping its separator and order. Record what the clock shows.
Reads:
6:09:58
